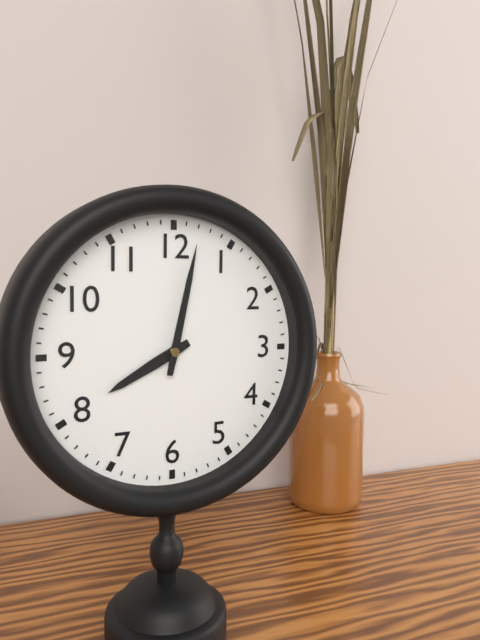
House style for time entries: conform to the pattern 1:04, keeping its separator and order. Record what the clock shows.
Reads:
8:02
